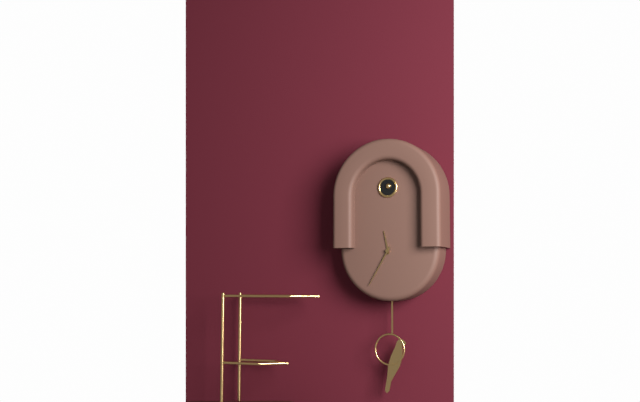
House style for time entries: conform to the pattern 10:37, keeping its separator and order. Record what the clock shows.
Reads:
11:35
